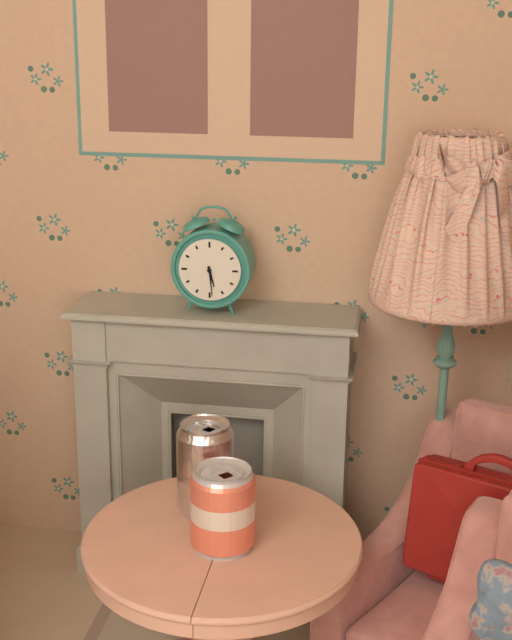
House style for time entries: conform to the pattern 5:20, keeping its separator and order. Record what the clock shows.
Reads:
5:29
